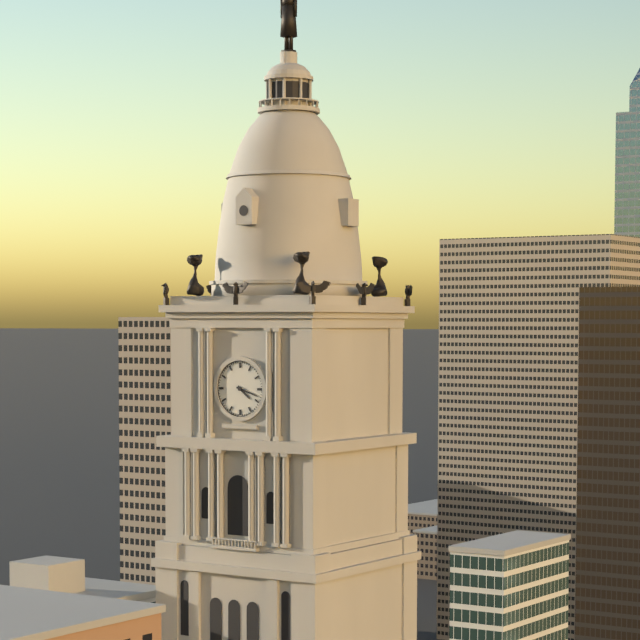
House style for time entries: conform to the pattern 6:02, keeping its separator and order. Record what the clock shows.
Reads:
4:18
